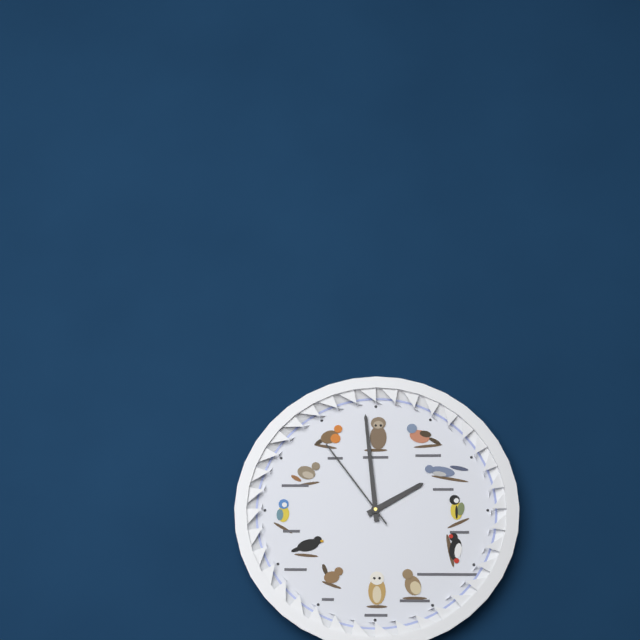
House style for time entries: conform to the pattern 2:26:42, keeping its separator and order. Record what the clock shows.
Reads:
1:59:54
